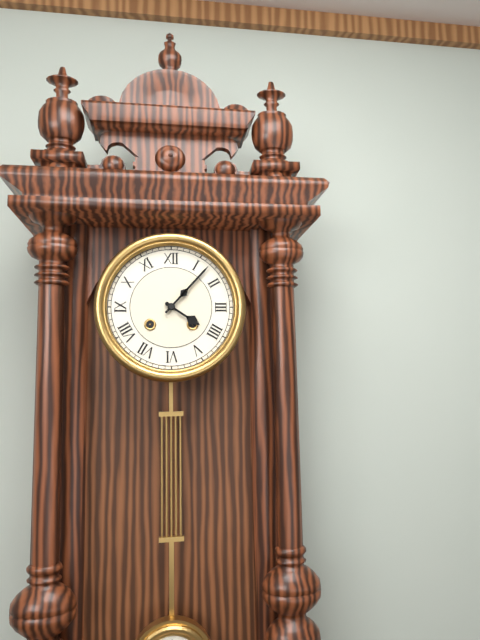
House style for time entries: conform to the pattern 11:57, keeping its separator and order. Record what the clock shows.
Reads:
4:07
